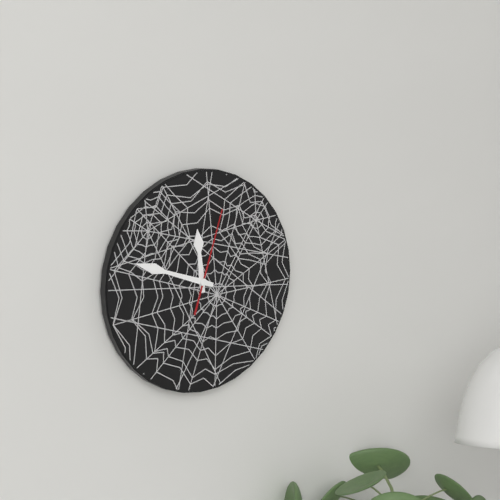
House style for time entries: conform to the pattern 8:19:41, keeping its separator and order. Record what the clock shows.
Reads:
11:48:03
